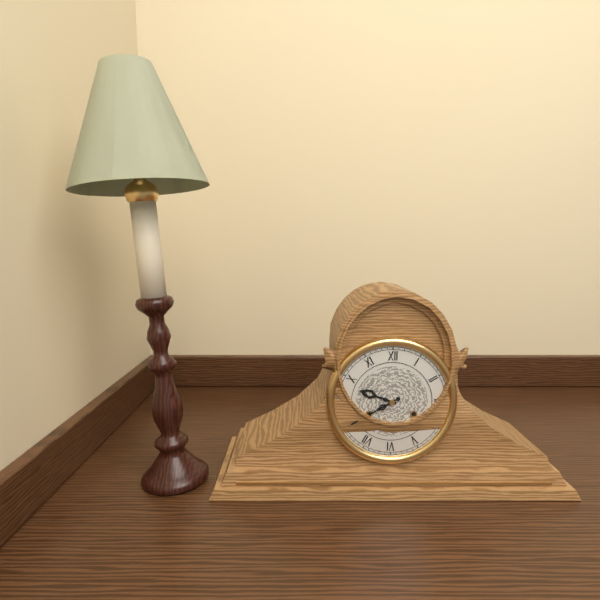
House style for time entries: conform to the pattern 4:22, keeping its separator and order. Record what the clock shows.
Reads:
9:40
